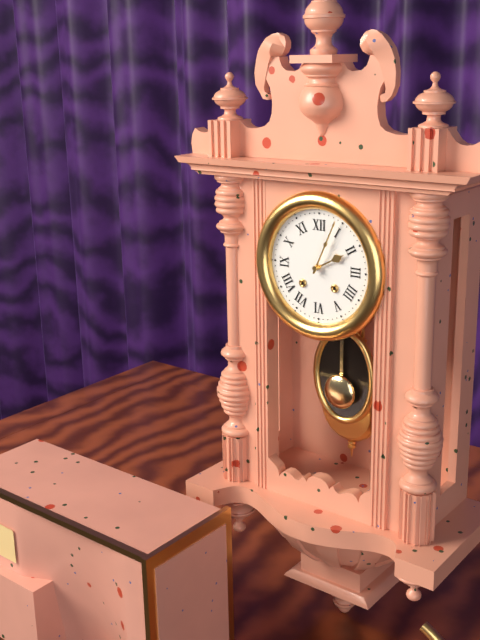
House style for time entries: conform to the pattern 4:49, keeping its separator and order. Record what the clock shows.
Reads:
2:04
